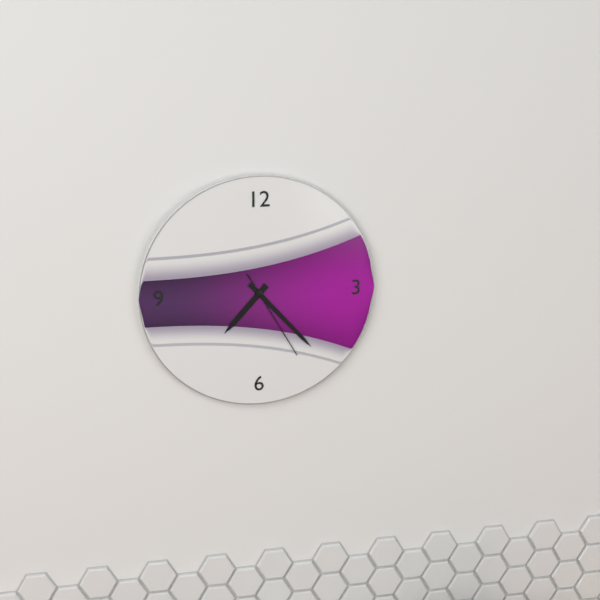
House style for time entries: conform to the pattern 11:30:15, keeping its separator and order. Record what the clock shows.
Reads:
7:23:25
